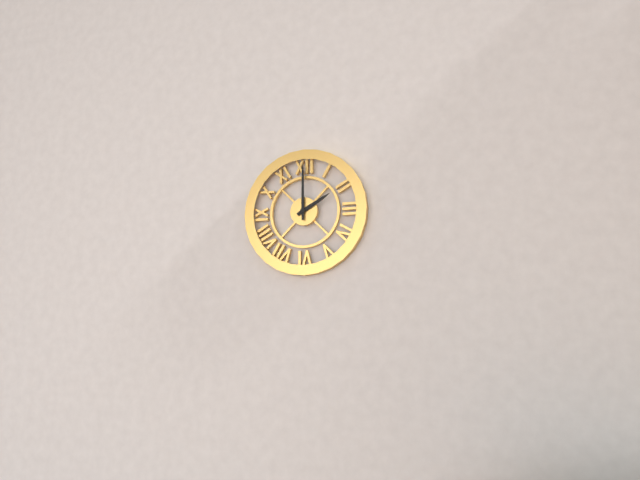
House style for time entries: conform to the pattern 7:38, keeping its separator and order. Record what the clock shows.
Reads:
2:00
